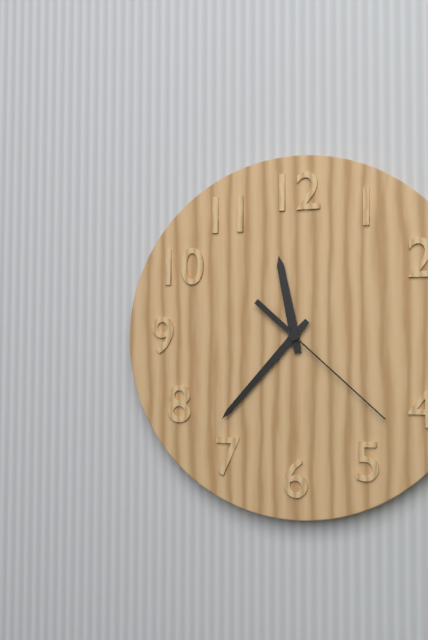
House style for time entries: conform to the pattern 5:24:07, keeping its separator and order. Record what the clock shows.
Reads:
11:37:22
